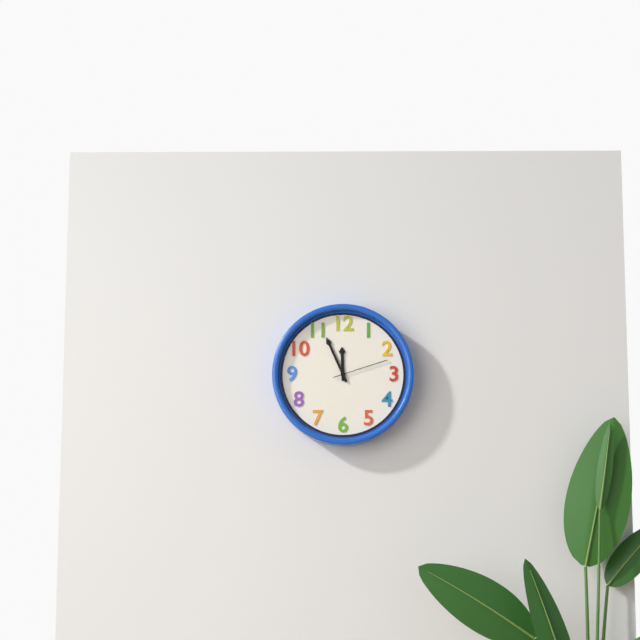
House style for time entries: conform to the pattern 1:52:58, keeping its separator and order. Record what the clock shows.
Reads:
11:56:12
